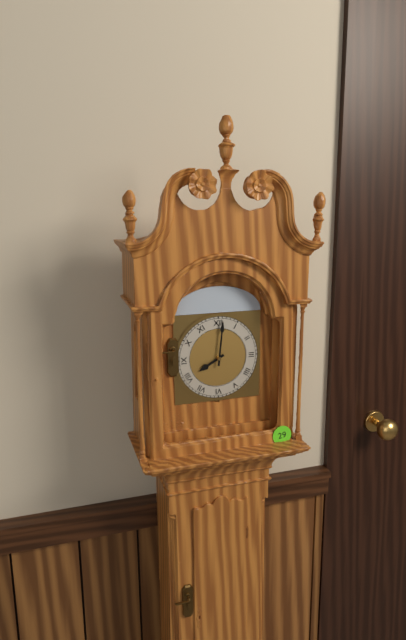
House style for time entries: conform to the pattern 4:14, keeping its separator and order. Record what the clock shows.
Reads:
8:01
